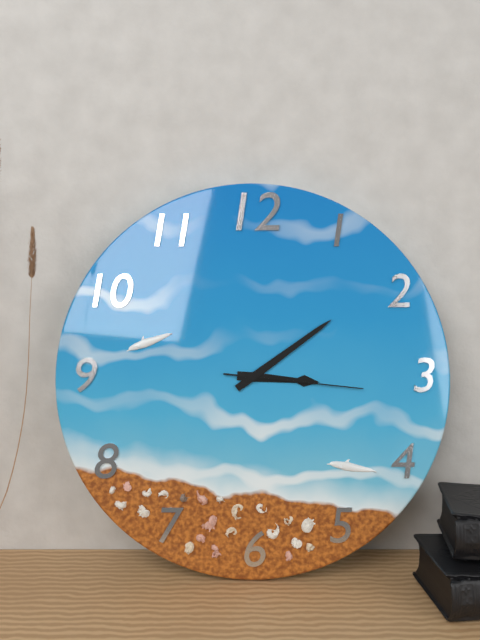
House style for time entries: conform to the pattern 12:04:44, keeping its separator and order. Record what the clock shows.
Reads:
3:09:16
